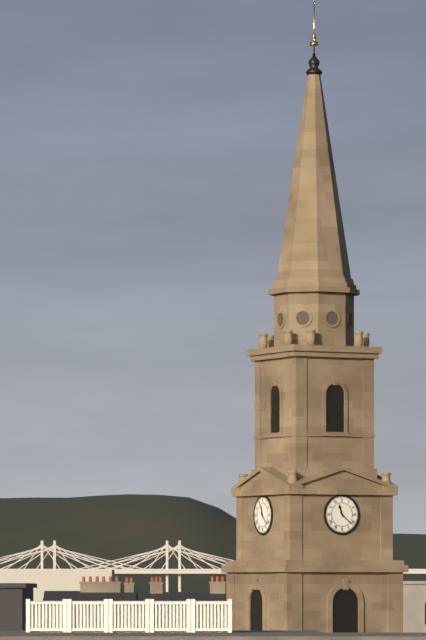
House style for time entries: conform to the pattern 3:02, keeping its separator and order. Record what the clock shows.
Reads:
11:22
